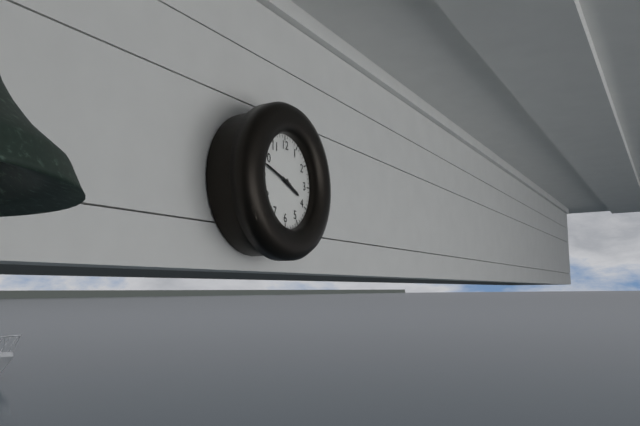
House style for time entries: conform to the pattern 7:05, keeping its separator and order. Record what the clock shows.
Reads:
3:48
